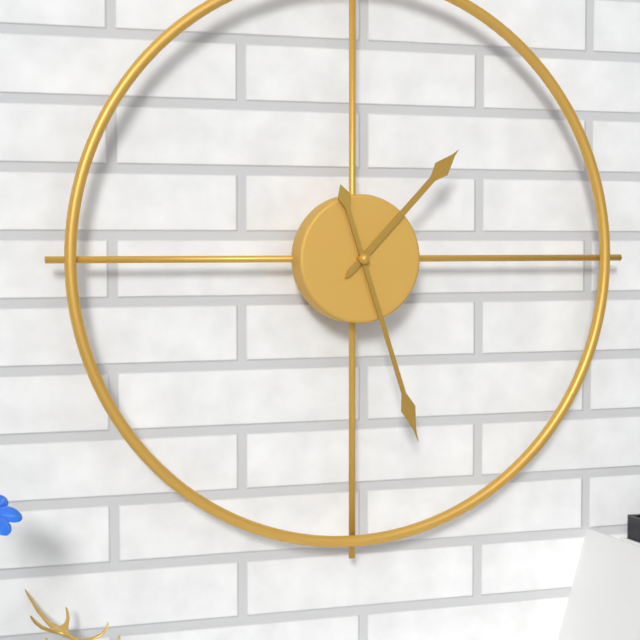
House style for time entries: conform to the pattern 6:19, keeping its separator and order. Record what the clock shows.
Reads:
1:27
